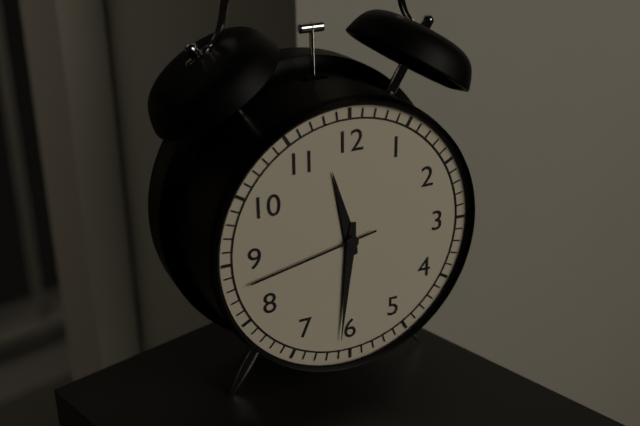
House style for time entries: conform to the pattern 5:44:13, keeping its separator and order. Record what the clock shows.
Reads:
11:31:43
